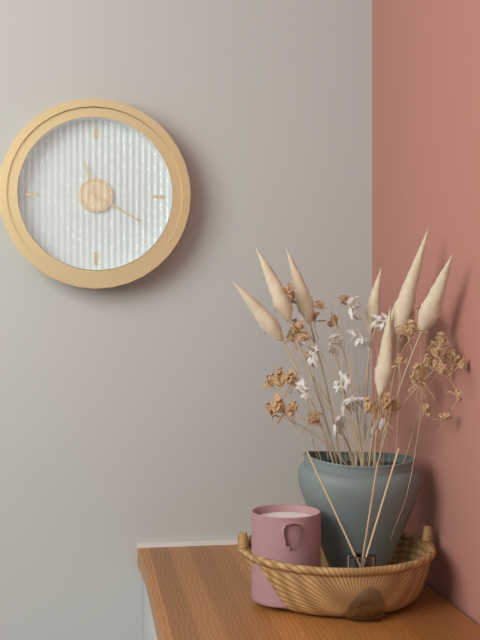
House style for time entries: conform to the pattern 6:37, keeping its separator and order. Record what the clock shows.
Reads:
11:20
